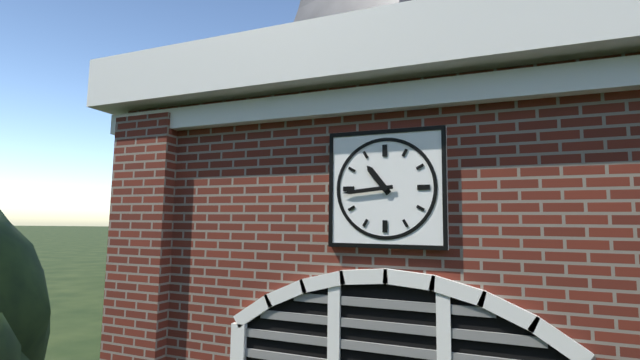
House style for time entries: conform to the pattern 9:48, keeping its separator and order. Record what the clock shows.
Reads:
10:44
